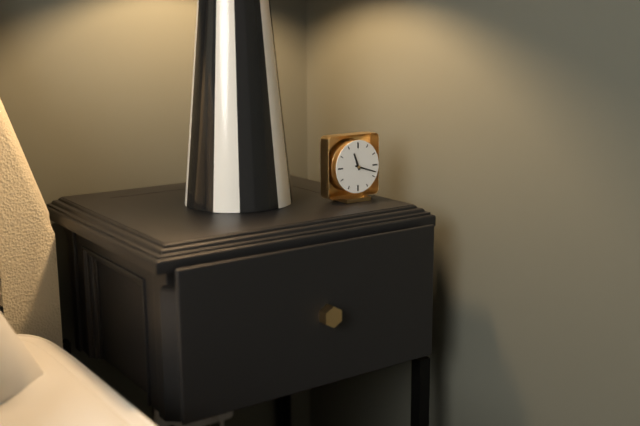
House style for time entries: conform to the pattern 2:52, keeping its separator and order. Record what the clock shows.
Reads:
11:18
